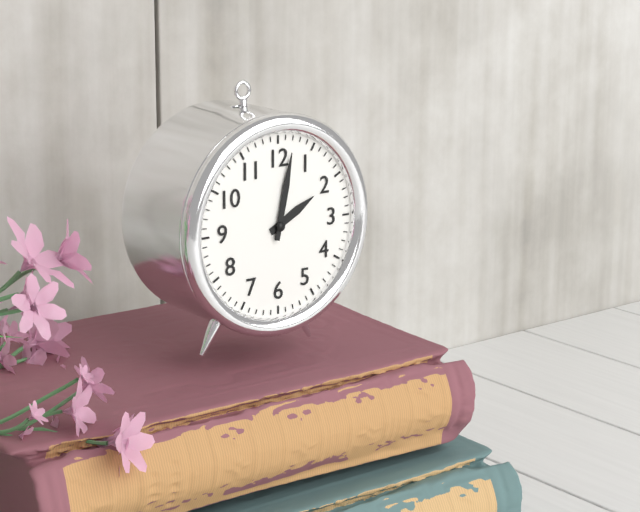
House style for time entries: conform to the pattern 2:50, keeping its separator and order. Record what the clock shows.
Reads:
2:02
